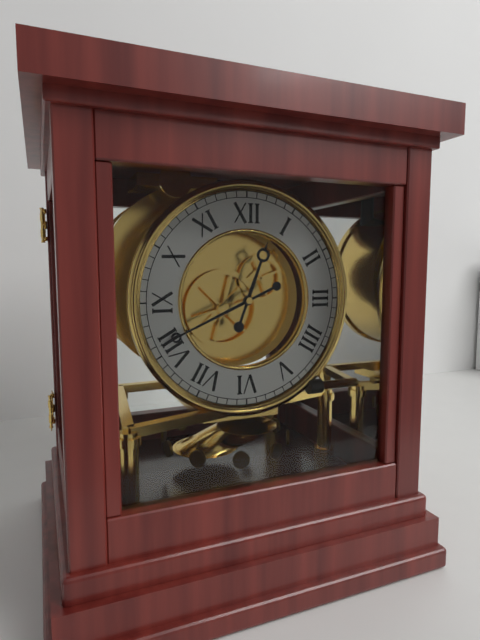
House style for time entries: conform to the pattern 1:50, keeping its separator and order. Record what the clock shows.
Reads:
12:41
